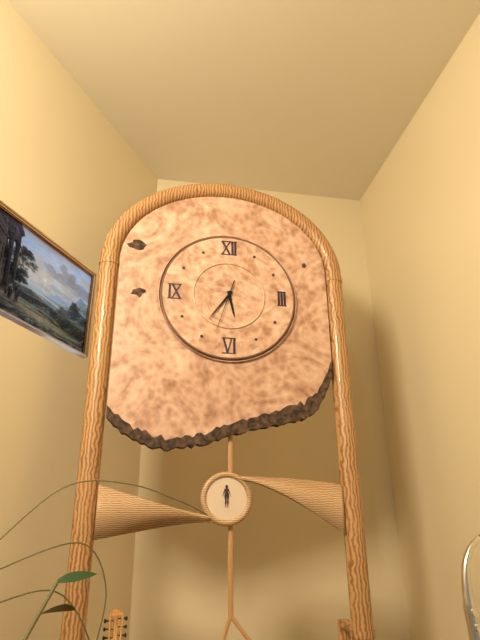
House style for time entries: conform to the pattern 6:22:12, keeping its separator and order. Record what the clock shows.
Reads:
5:36:33
